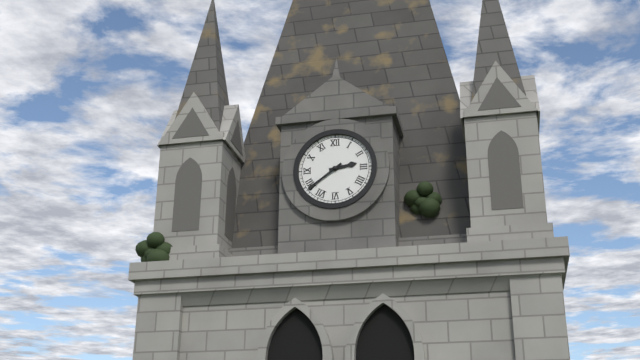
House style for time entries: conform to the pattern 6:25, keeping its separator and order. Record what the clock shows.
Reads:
2:39
